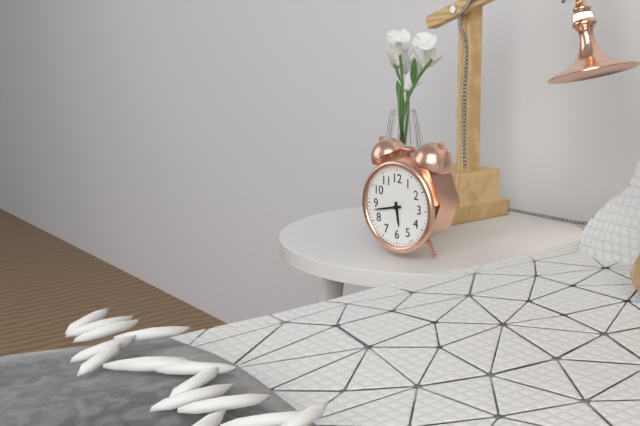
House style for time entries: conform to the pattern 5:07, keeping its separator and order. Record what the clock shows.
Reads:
5:43
